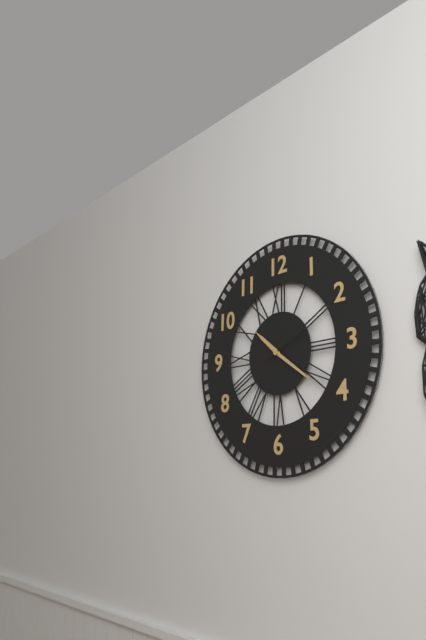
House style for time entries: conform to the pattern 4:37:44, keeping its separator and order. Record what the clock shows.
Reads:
10:21:11
